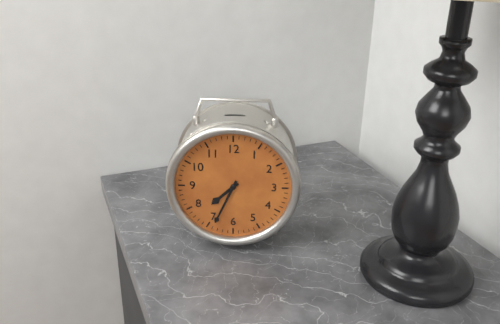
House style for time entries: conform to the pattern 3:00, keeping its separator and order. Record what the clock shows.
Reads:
7:34
